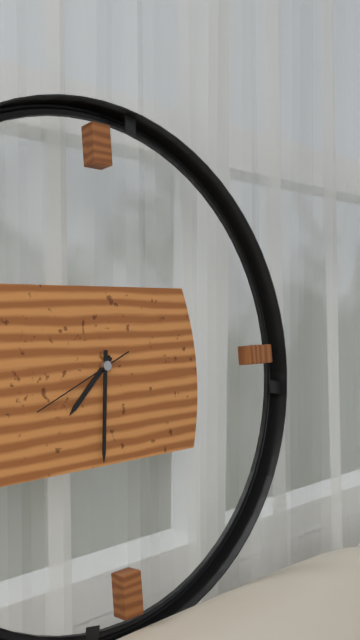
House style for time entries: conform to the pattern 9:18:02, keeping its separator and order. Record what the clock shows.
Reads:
7:31:41
